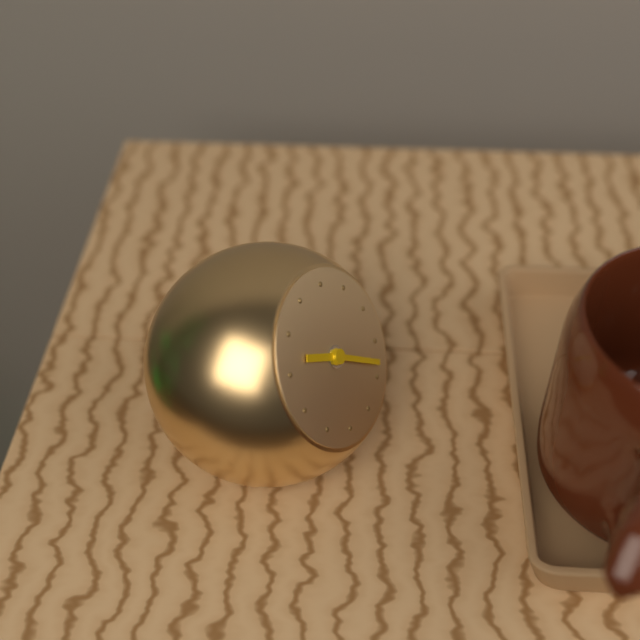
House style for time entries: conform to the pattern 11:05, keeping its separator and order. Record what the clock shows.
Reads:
10:23
